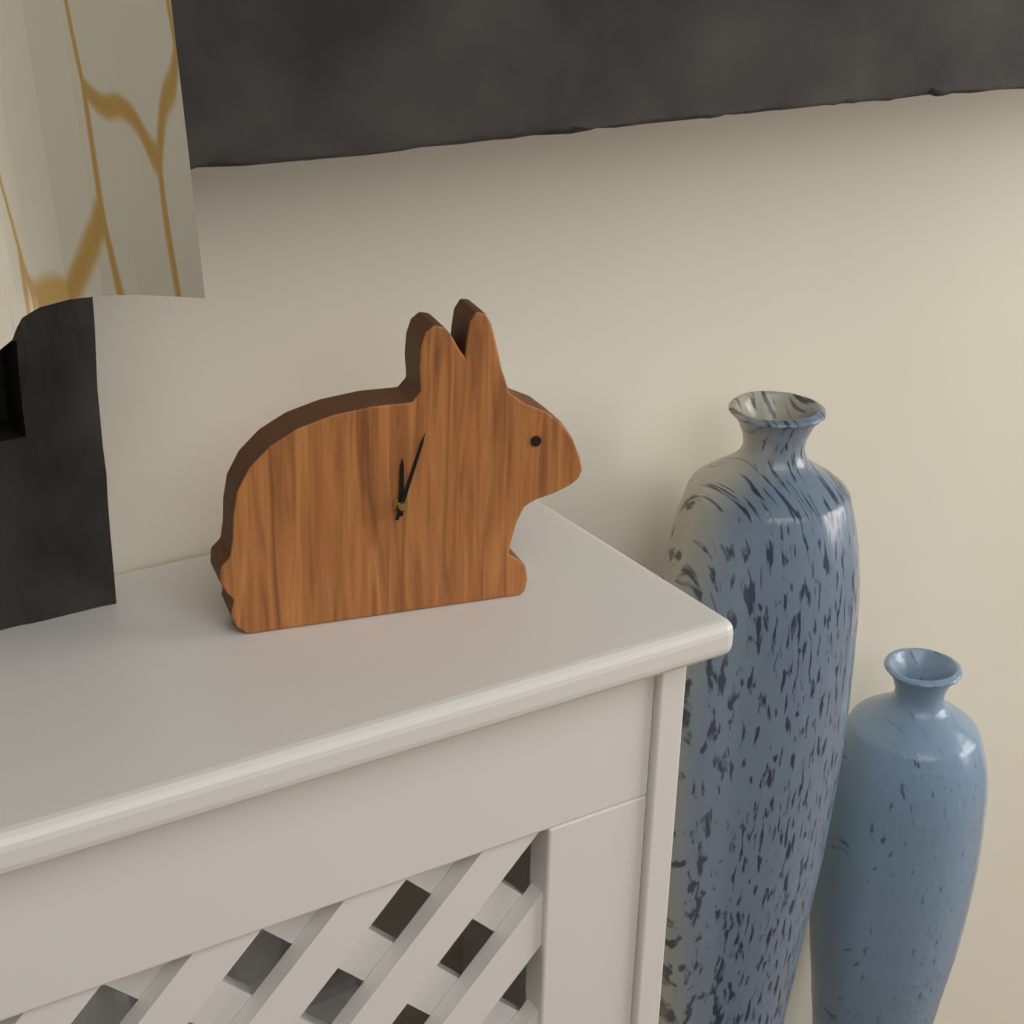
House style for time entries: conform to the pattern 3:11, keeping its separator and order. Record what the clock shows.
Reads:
12:03
